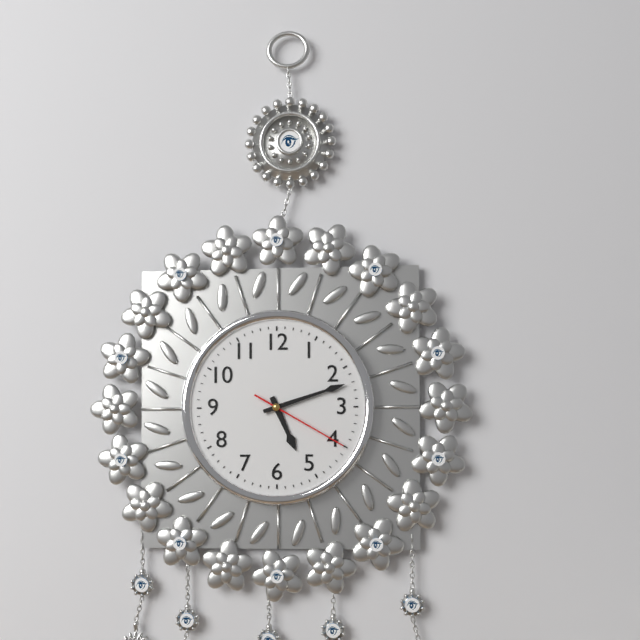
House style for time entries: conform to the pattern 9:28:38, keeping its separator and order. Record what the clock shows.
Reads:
5:12:20
